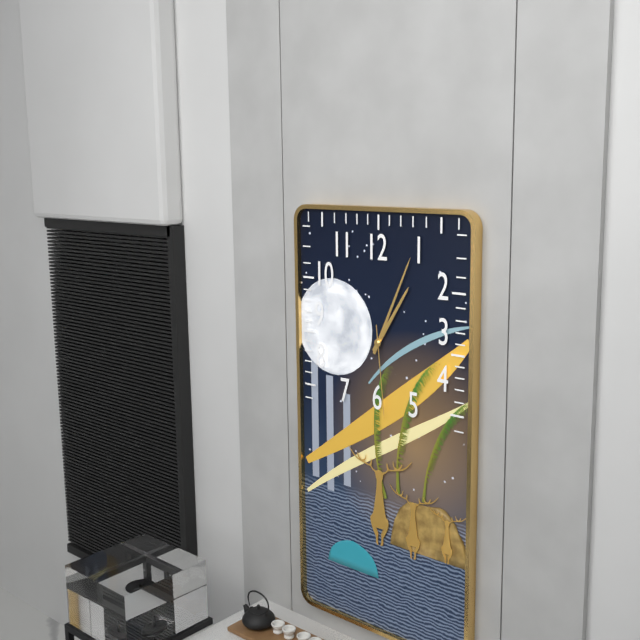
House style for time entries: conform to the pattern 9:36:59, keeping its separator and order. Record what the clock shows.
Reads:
1:04:29
